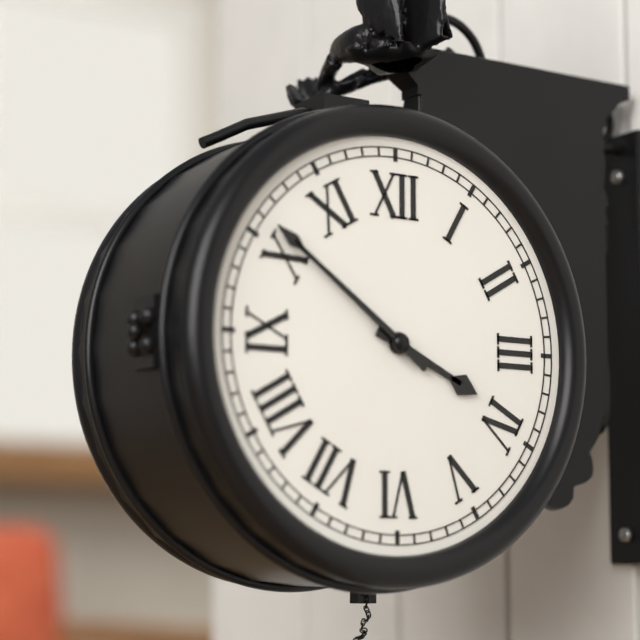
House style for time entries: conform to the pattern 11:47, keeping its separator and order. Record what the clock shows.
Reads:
3:51
